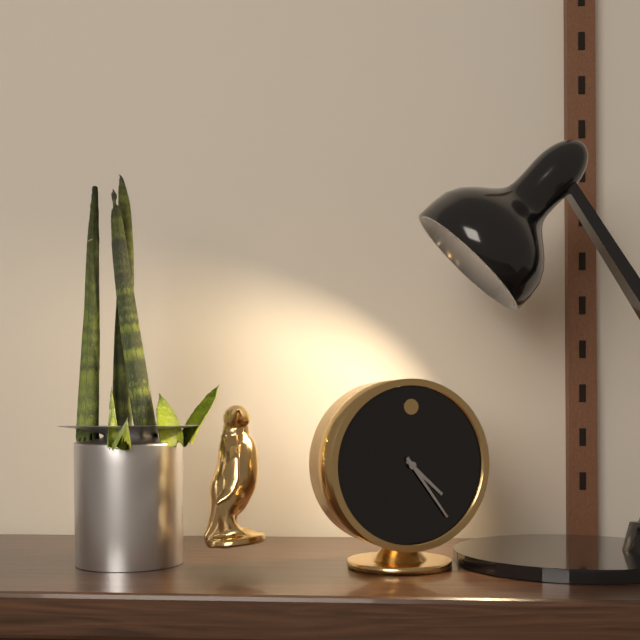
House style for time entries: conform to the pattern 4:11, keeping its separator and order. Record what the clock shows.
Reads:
4:24
